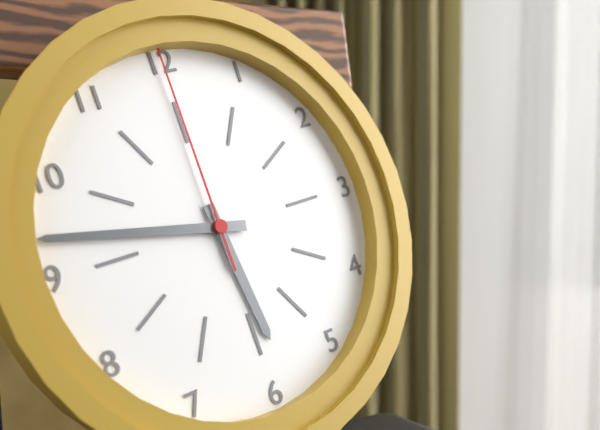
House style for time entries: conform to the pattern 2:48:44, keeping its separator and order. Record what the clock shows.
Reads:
5:47:00
